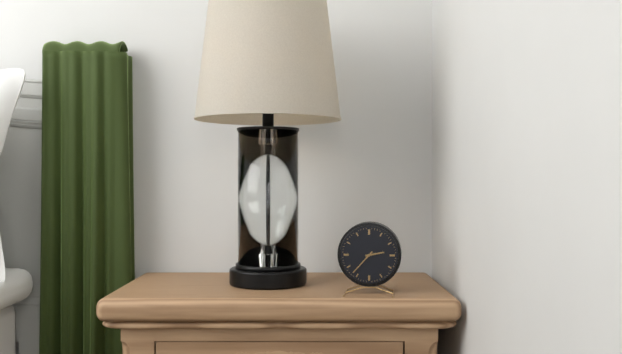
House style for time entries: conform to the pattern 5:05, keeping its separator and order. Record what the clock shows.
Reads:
2:37
